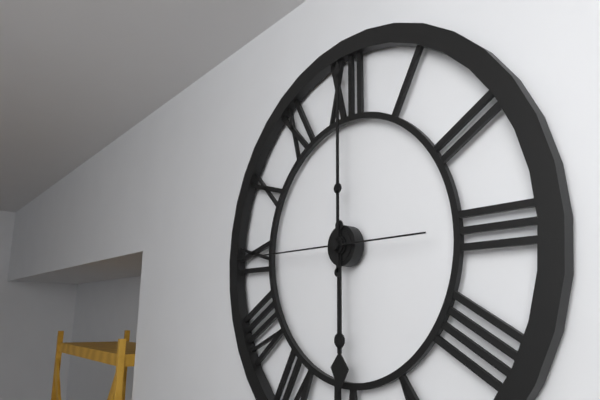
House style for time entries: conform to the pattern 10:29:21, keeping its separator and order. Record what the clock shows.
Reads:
6:00:45
